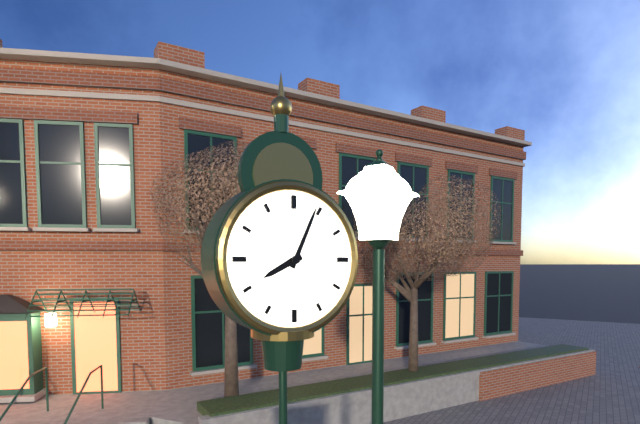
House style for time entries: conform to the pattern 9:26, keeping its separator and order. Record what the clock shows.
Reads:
8:04
